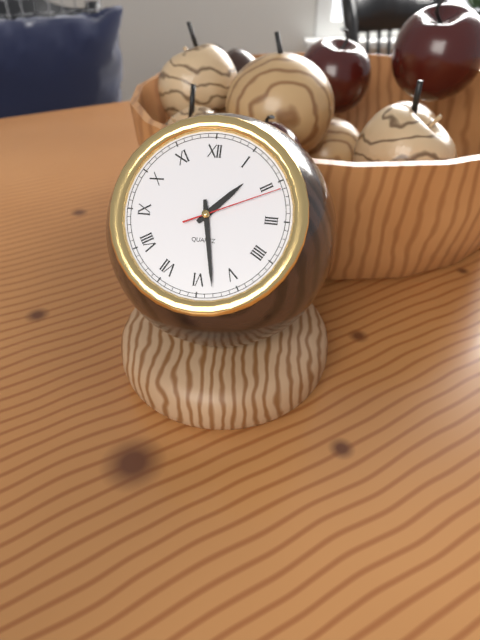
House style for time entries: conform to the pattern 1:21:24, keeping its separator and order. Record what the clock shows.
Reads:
1:28:11
